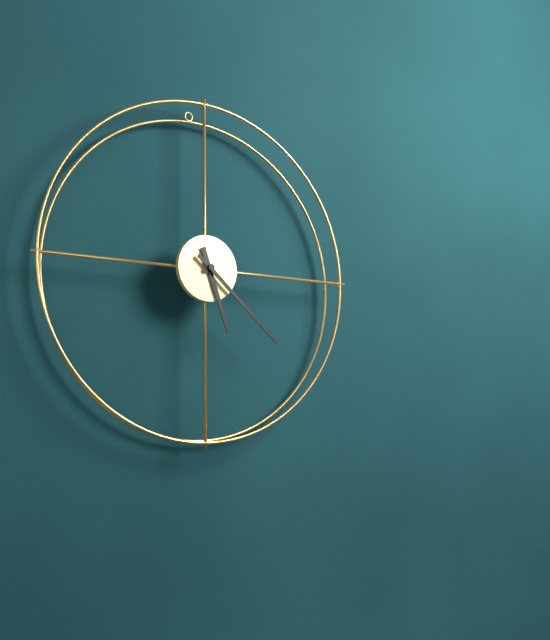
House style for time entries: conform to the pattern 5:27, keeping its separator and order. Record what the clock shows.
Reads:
5:22
